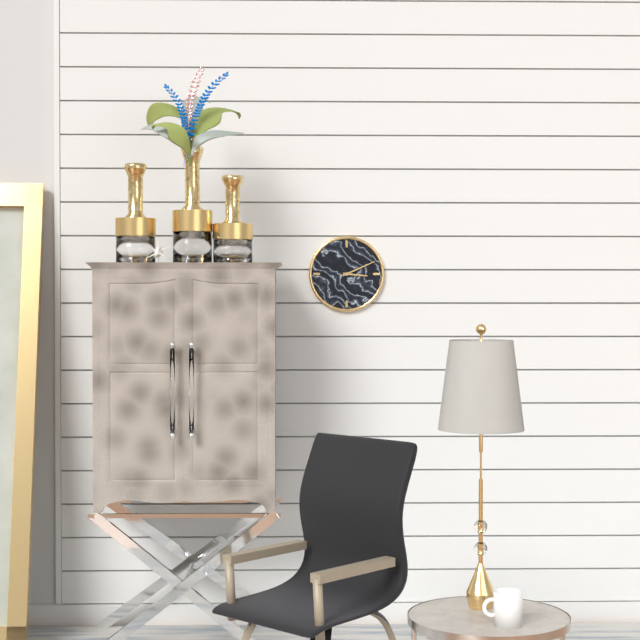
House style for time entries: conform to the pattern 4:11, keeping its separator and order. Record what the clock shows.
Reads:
3:11
